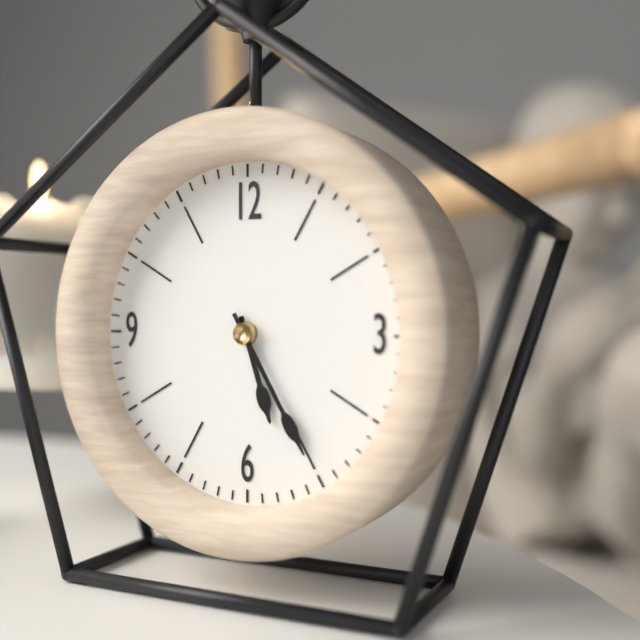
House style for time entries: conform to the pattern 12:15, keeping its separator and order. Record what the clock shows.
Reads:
5:25
